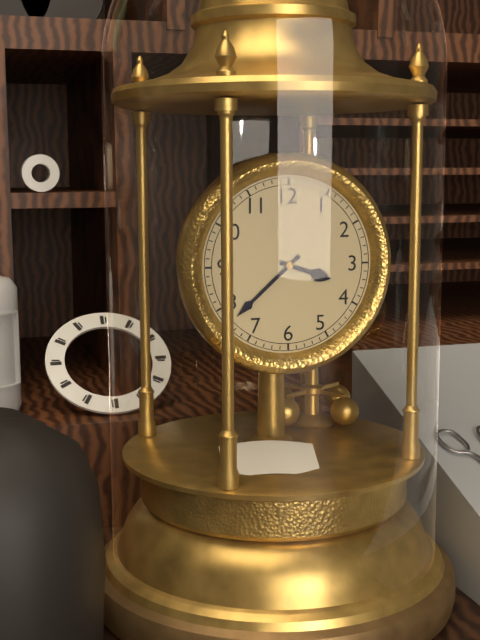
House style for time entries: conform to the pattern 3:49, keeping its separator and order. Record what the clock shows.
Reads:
3:38
